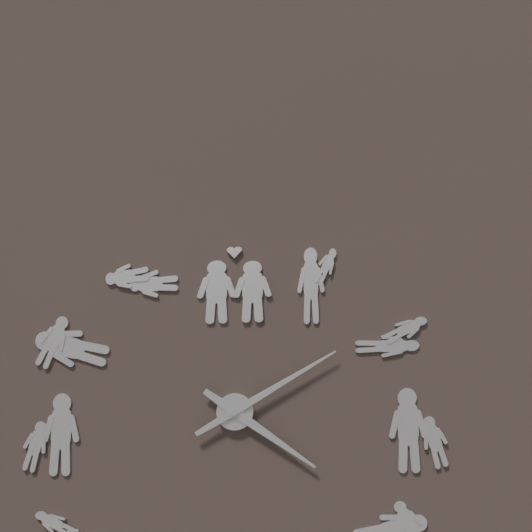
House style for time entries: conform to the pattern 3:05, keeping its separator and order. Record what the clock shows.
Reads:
4:10
